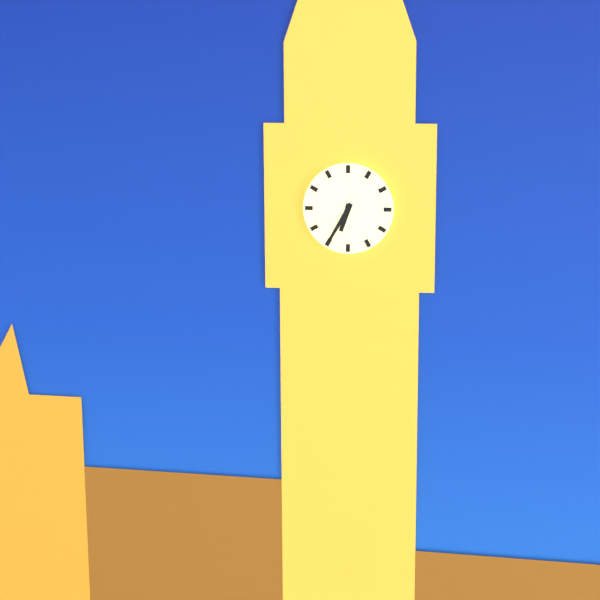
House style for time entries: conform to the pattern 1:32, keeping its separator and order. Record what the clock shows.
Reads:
6:35
